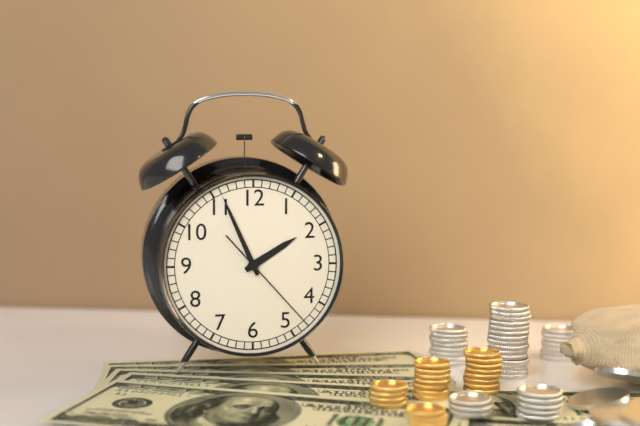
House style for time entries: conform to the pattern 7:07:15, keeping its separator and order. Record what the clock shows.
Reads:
1:56:23
